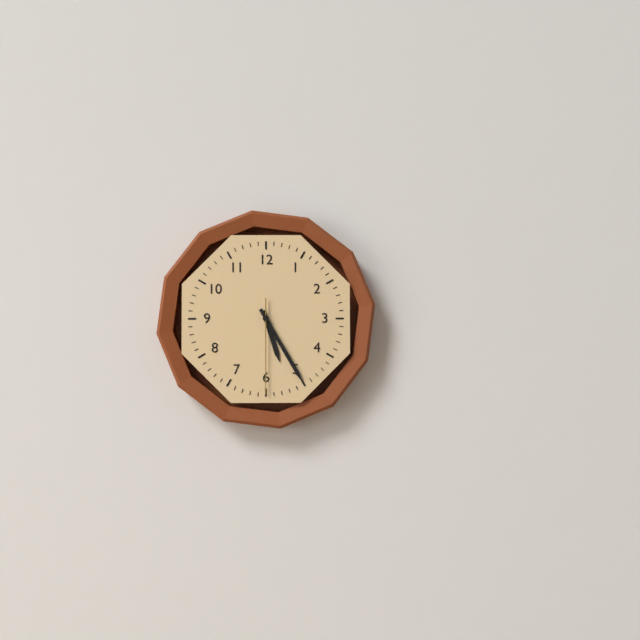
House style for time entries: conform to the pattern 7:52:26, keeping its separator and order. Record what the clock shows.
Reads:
5:25:30
